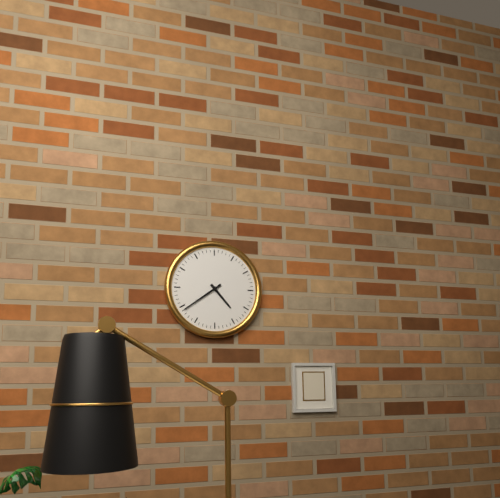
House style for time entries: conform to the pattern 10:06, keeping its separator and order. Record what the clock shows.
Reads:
4:39
